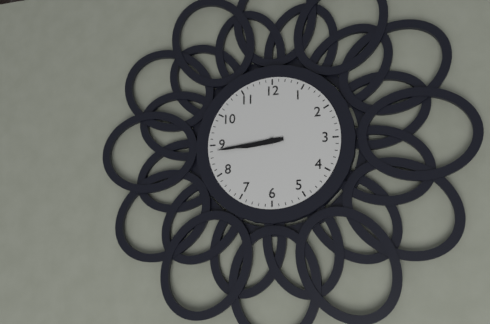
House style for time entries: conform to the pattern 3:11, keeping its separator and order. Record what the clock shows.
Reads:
8:44
